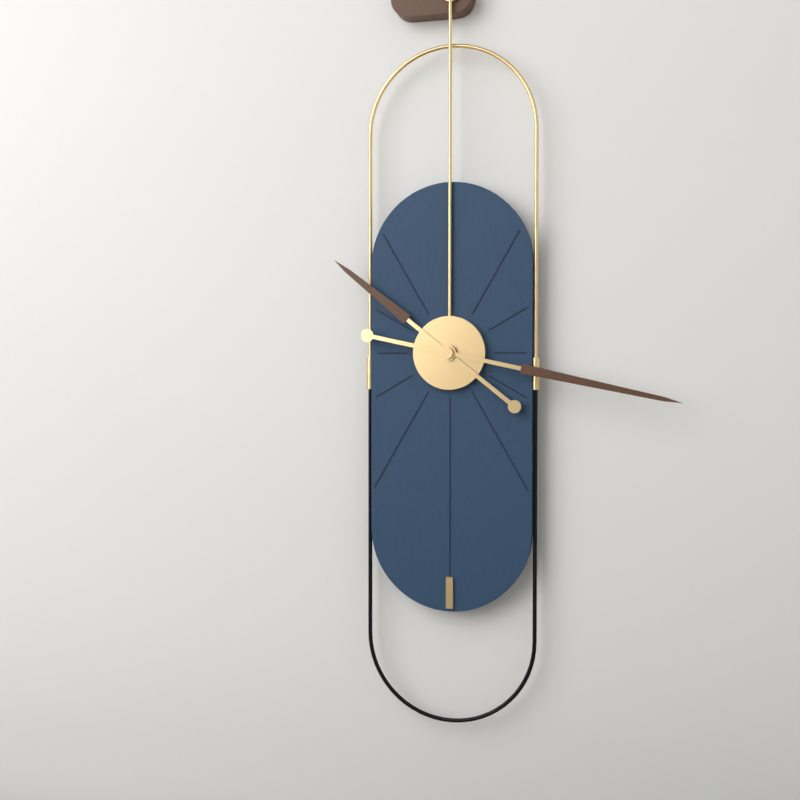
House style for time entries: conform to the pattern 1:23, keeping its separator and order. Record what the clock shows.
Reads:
10:17
